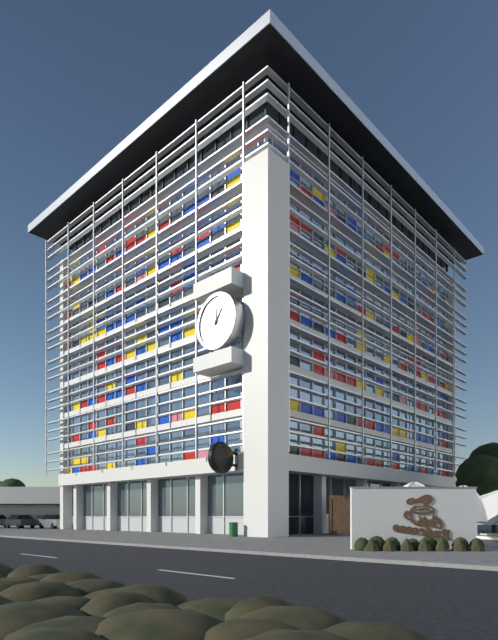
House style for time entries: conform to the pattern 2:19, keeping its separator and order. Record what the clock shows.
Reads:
12:06
